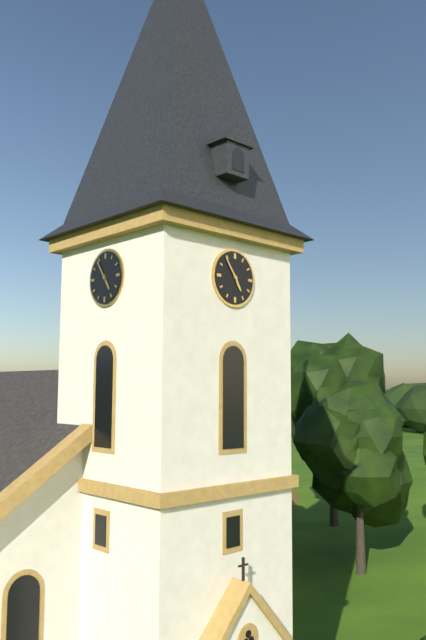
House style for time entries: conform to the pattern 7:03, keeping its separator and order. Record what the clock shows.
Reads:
4:54
